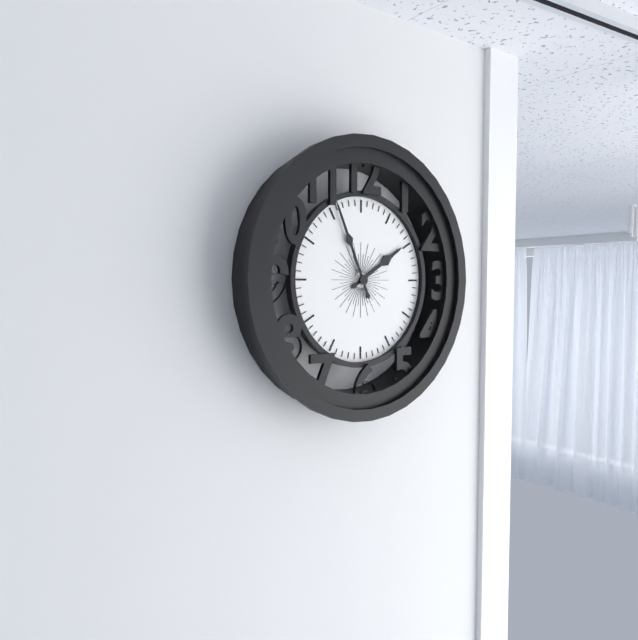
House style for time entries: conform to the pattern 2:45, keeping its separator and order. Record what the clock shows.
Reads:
1:56
